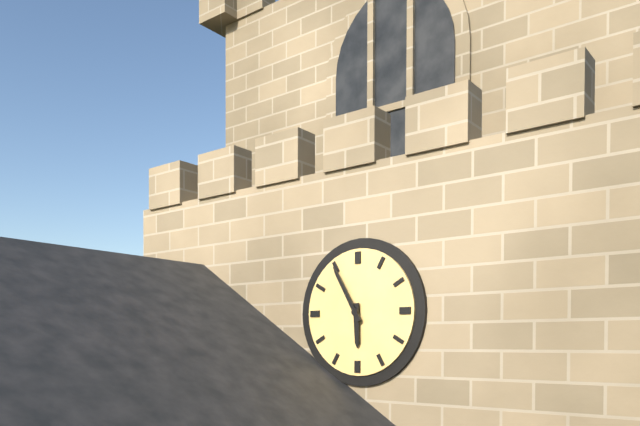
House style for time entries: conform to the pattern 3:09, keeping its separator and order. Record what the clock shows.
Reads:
5:55
